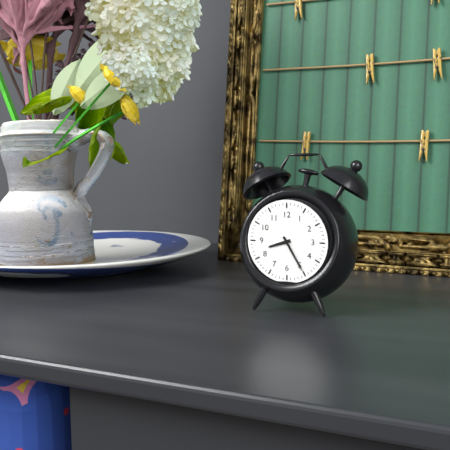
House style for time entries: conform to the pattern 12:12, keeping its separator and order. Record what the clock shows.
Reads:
8:25
